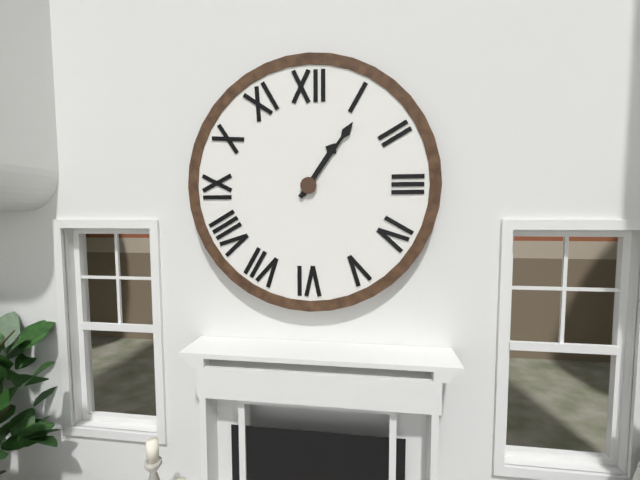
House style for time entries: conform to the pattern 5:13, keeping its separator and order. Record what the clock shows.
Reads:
1:06
